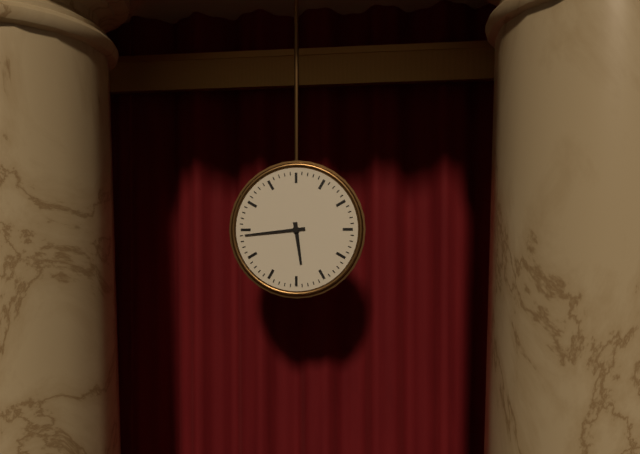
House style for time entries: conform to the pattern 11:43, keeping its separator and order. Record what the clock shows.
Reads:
5:44
